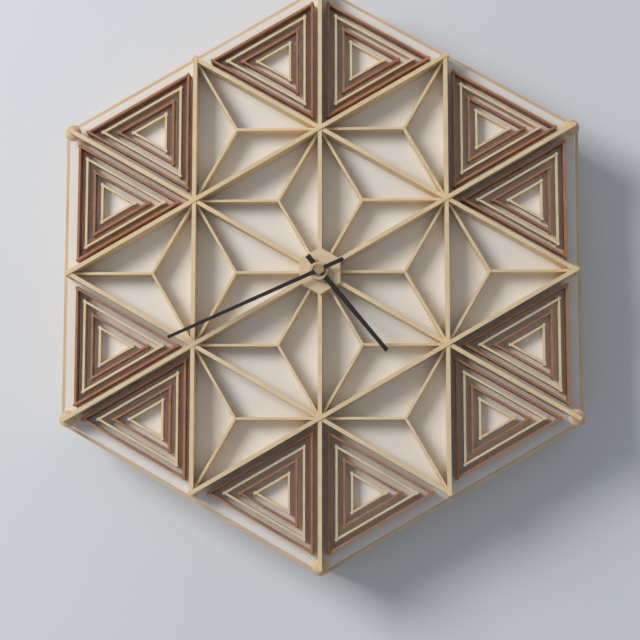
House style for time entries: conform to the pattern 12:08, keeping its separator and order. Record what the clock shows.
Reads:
4:41
